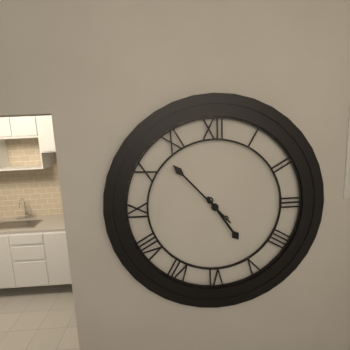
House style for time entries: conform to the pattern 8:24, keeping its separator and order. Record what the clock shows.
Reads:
4:53
